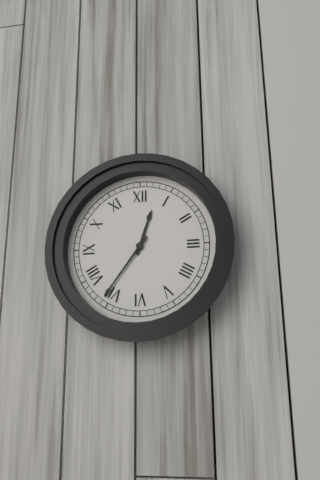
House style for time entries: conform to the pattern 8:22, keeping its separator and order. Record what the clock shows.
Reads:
12:36
